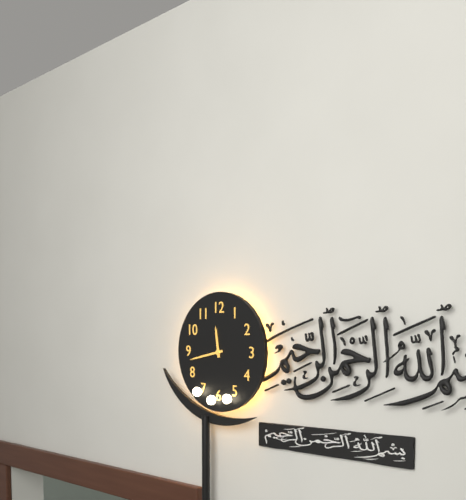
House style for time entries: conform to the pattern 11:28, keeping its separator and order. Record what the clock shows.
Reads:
11:43
